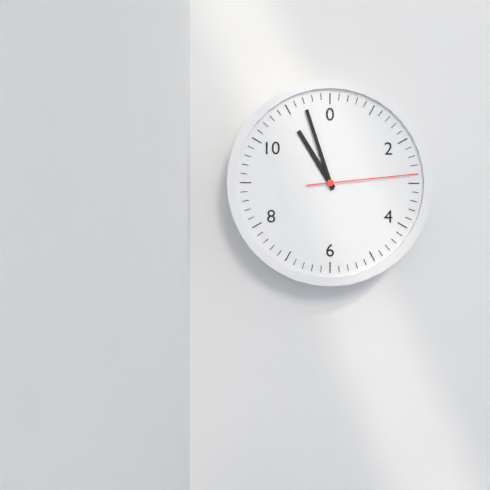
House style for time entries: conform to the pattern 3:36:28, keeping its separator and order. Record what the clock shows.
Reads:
10:57:14
